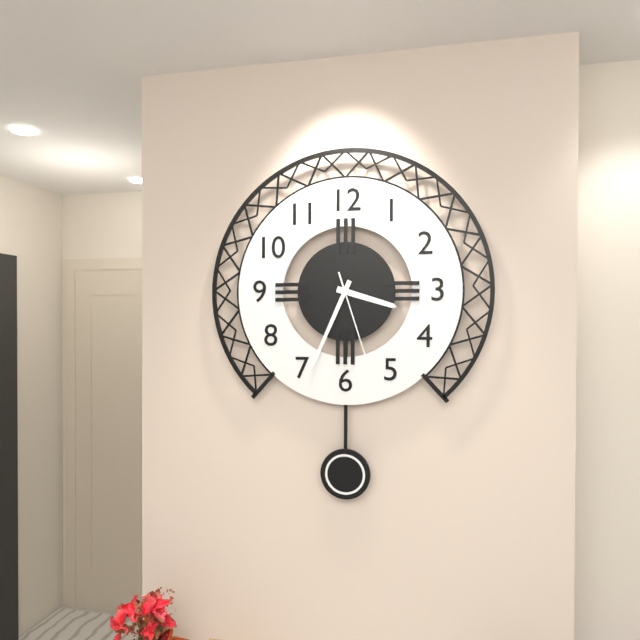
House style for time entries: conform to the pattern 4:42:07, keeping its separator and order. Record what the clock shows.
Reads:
3:34:27
